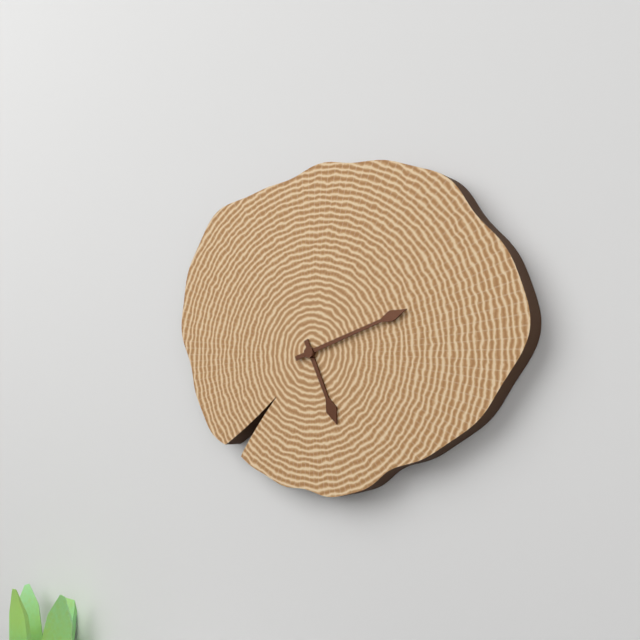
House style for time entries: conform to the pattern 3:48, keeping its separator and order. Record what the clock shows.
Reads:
5:12
